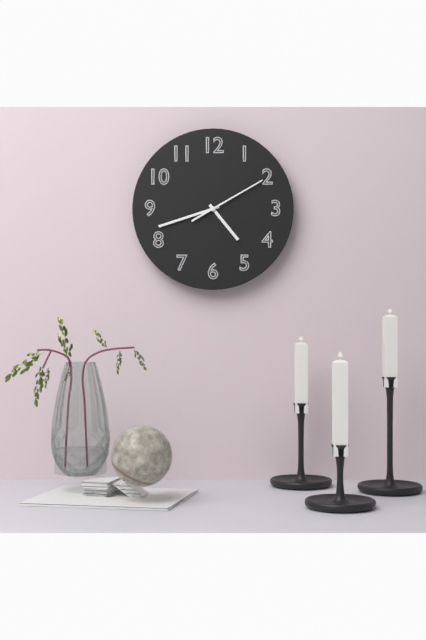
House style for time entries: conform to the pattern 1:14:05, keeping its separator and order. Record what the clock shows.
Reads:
4:42:10
